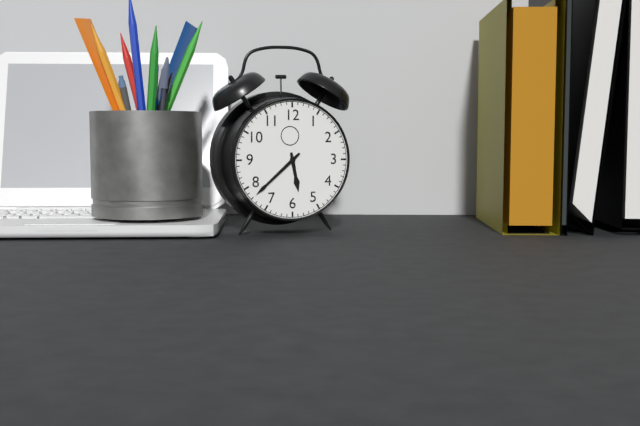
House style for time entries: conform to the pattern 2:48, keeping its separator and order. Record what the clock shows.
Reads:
5:38
